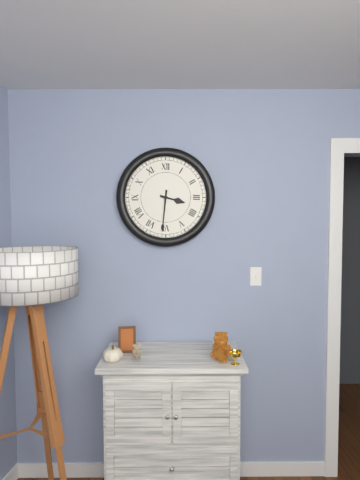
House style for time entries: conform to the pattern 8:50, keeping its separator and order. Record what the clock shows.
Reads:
3:31
